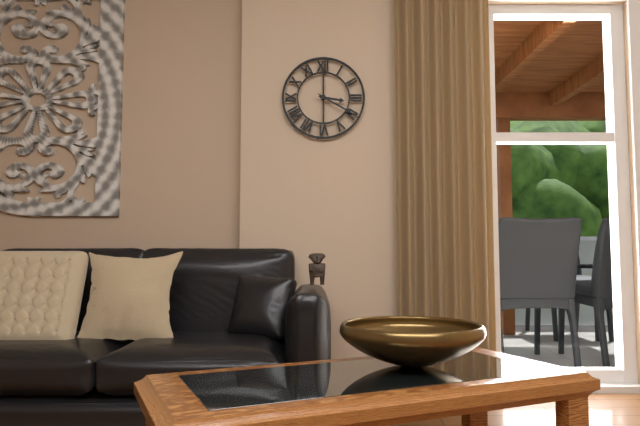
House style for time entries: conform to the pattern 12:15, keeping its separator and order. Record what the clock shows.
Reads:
3:20
